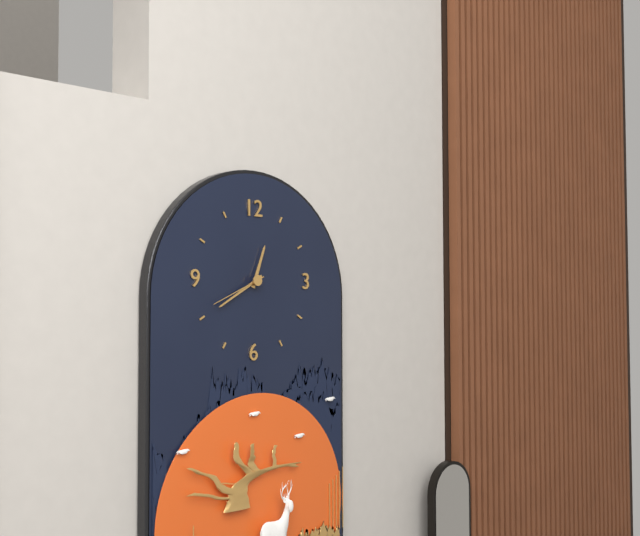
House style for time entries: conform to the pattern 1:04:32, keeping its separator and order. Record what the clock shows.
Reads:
12:40:41
